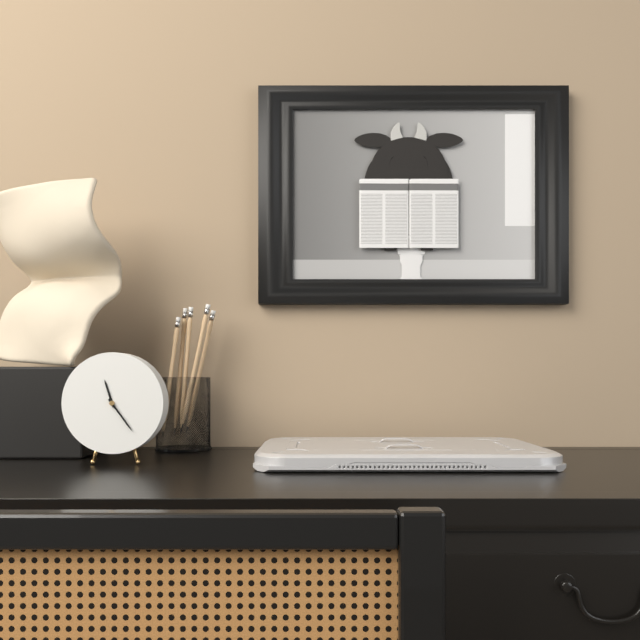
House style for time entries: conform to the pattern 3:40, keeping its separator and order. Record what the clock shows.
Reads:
11:24
